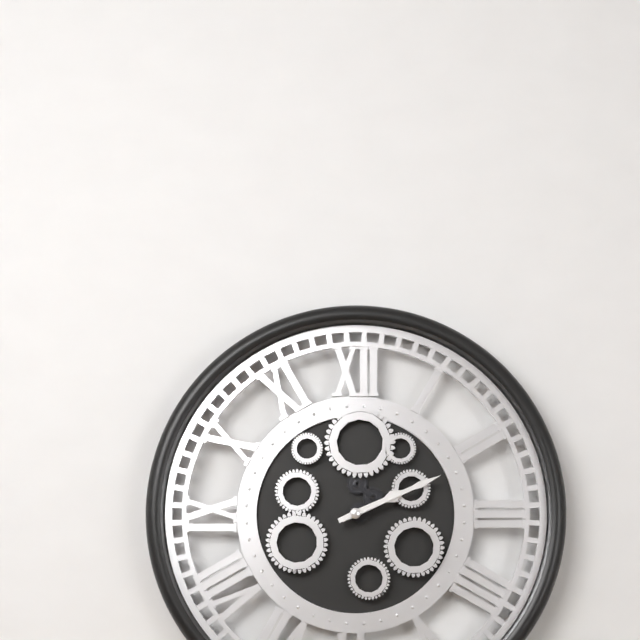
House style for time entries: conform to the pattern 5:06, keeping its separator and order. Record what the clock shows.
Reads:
2:11
